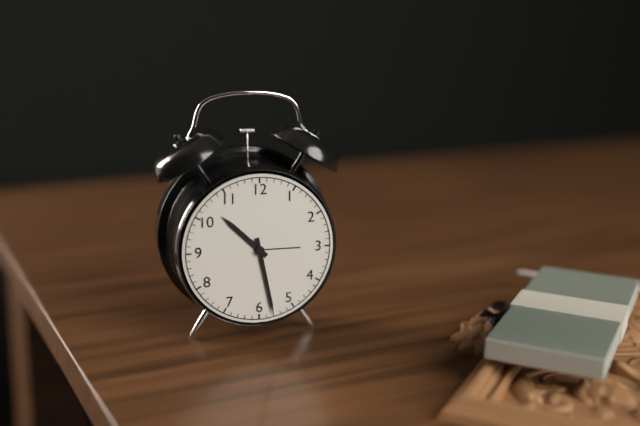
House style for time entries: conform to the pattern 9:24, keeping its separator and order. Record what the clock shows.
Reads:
10:28
